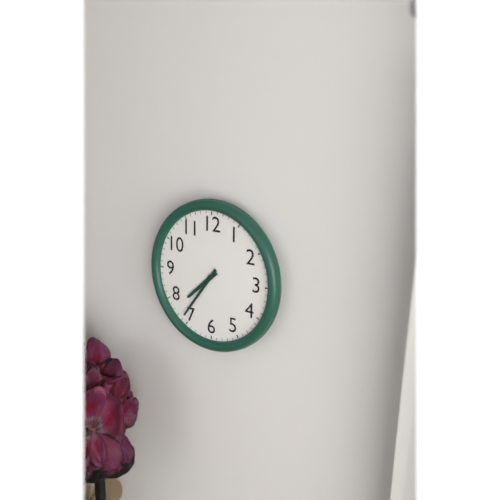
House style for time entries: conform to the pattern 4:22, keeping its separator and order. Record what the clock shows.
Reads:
7:36
